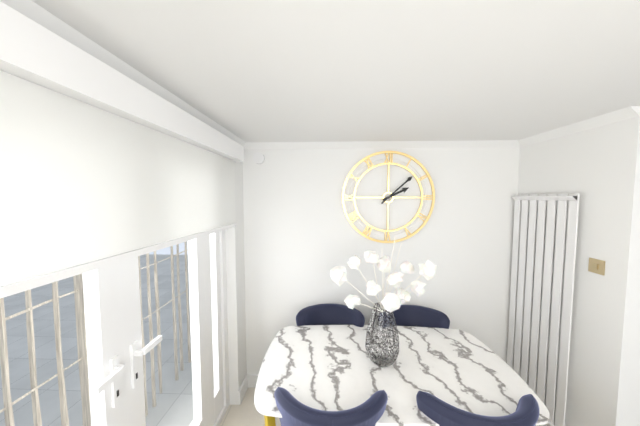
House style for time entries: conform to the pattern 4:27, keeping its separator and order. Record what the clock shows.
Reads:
2:08
